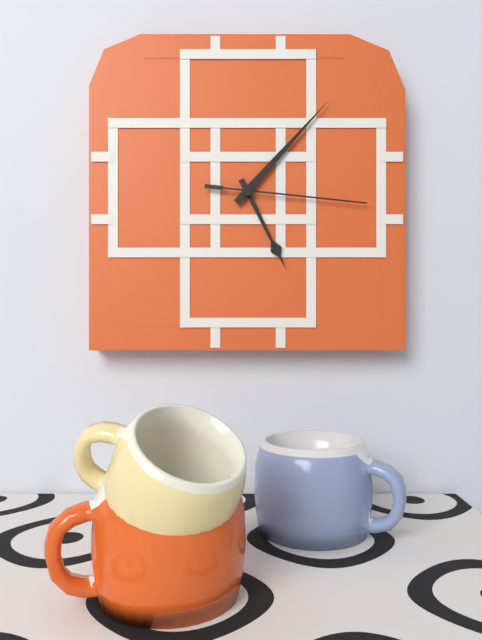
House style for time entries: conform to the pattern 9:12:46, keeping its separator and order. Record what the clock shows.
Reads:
5:07:16
